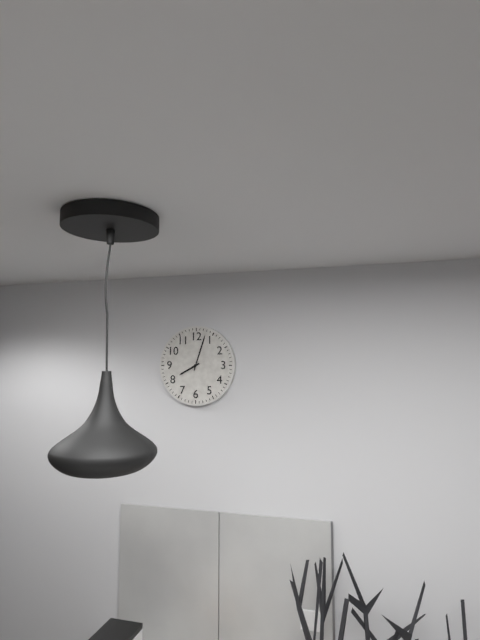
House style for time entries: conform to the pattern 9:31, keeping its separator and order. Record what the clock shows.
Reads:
8:03
